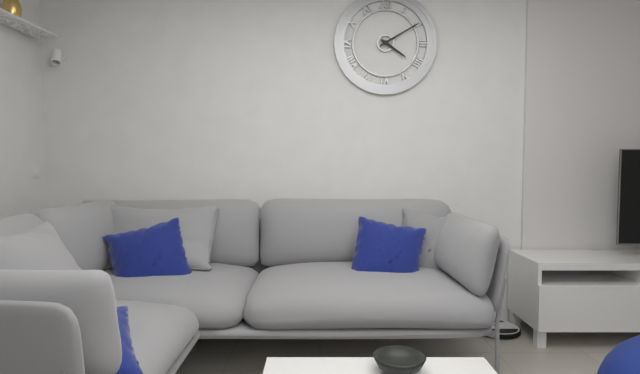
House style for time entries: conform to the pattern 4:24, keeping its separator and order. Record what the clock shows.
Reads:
4:10
